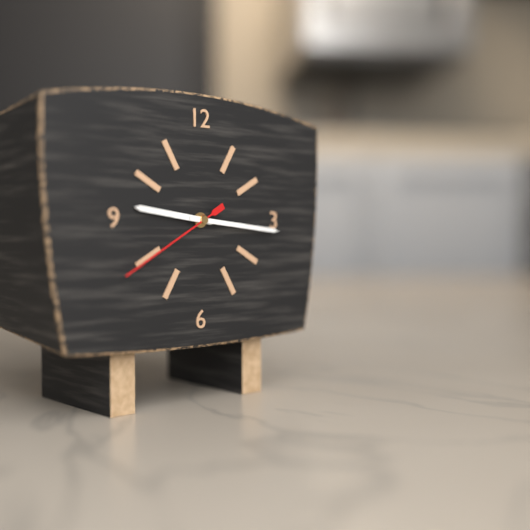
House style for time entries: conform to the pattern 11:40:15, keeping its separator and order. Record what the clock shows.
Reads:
9:16:40
